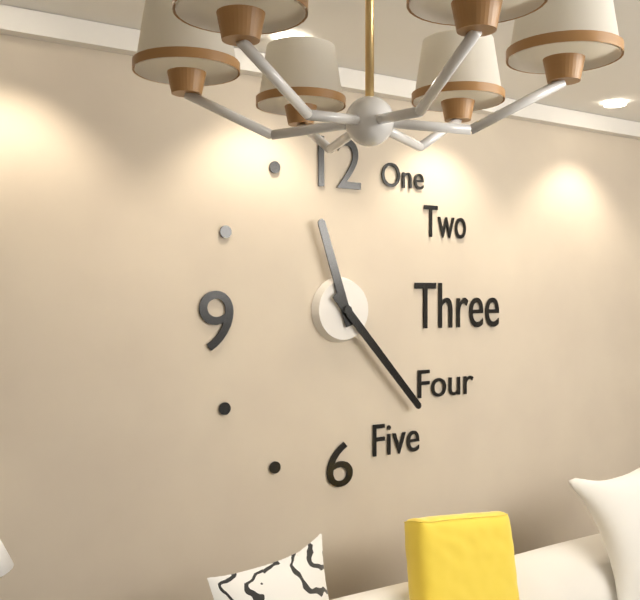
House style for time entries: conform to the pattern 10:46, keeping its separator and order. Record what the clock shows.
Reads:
11:23
